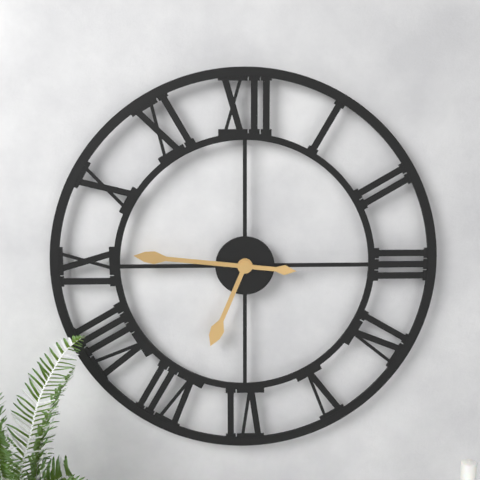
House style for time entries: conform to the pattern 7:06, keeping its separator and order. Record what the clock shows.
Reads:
6:46
